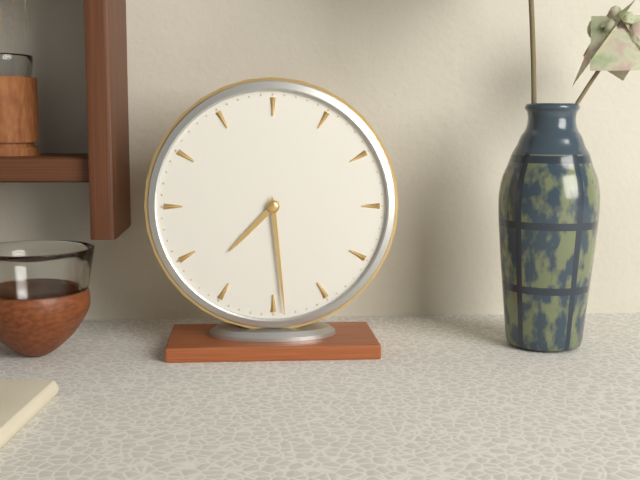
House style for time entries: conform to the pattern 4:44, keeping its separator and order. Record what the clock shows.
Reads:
7:29
